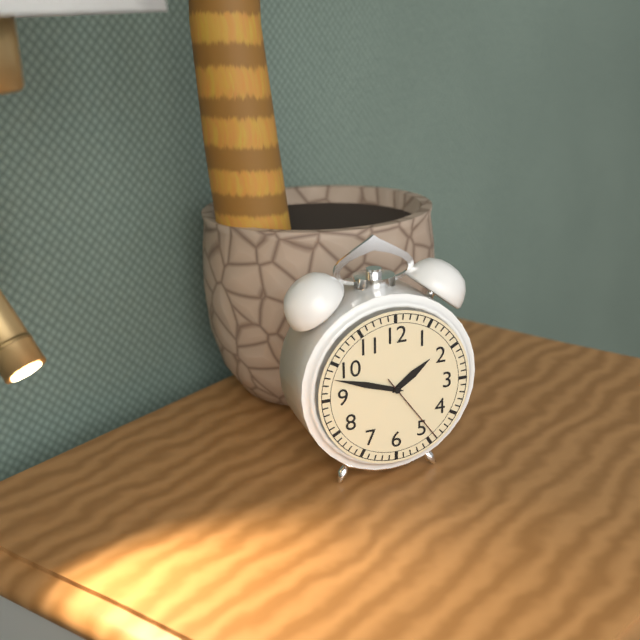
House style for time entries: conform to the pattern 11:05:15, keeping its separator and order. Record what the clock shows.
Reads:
1:48:24
